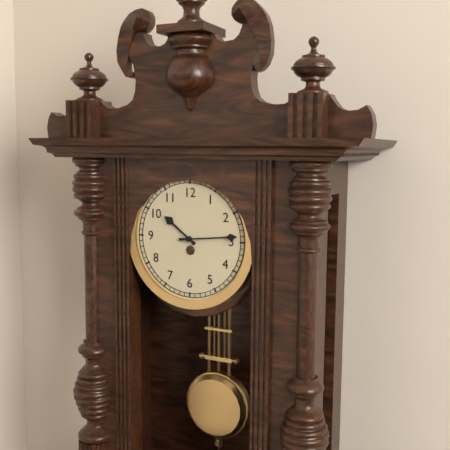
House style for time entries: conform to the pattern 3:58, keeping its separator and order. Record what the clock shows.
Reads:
10:14
